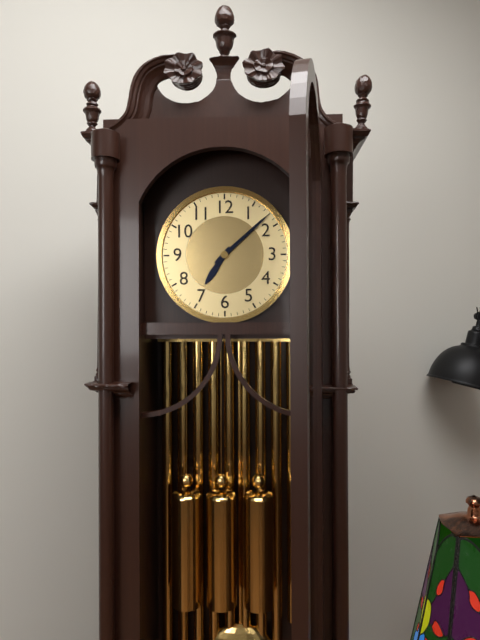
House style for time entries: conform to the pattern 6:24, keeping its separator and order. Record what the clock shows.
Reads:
7:08
